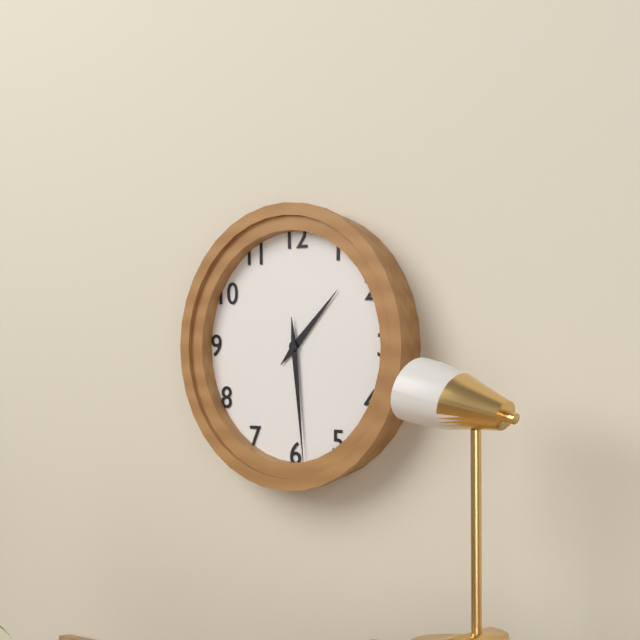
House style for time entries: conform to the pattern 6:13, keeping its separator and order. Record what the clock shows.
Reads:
1:29
